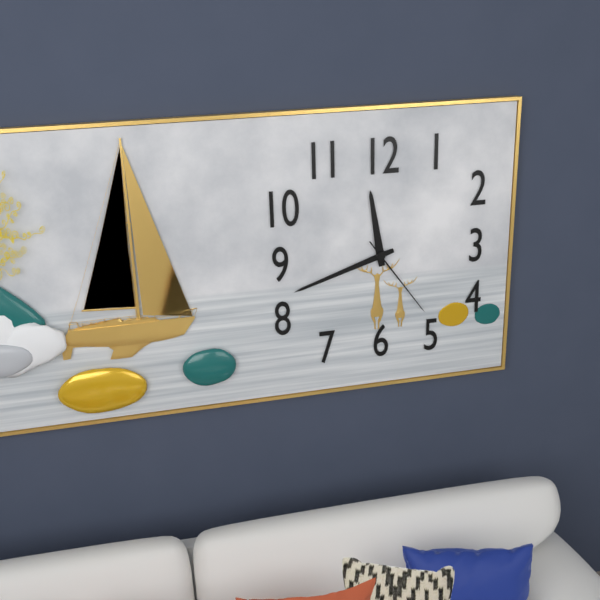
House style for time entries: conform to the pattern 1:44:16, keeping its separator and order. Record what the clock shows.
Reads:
11:42:24
